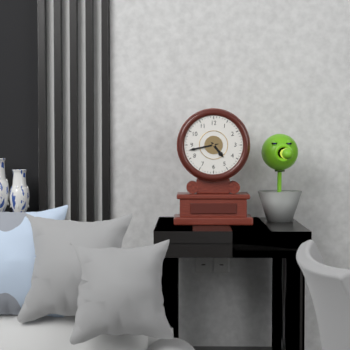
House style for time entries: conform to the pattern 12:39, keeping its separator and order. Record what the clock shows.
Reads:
4:43
